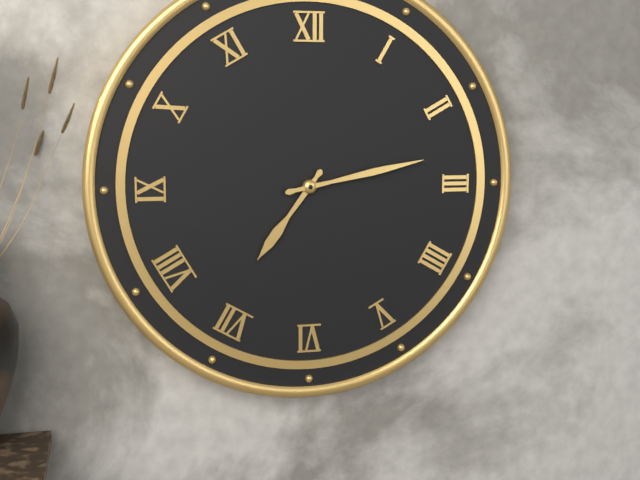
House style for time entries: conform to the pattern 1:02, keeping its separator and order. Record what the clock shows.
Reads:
7:13
